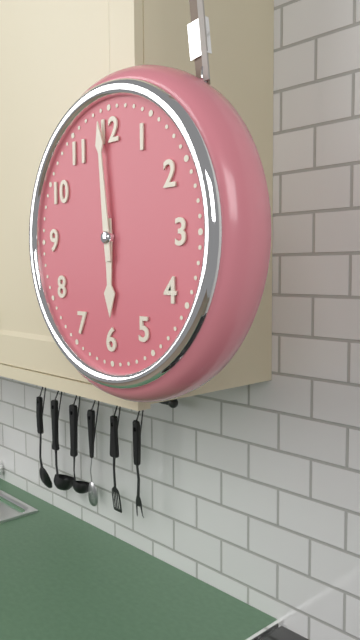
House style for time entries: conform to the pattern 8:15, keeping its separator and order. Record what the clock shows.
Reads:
5:59
